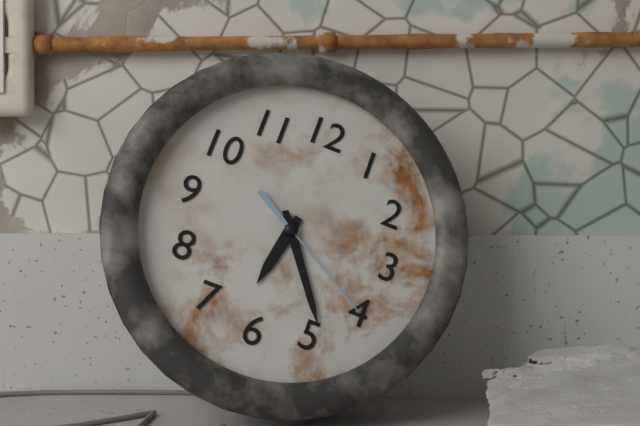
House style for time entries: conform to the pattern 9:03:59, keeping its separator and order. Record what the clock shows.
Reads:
6:24:20
